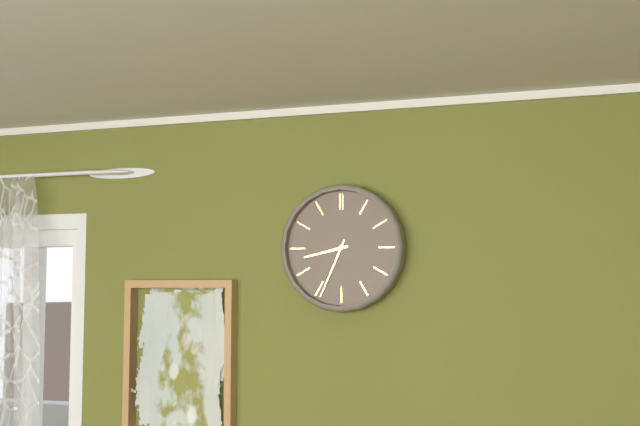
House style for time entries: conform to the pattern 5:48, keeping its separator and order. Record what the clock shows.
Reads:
8:34
